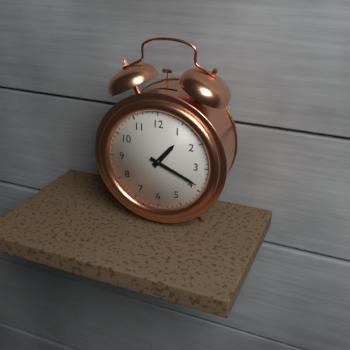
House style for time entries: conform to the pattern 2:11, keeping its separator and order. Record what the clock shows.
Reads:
1:19
